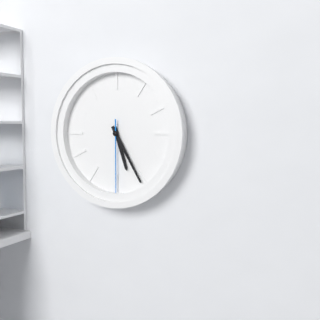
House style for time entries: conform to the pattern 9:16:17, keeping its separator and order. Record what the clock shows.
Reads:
5:25:30
